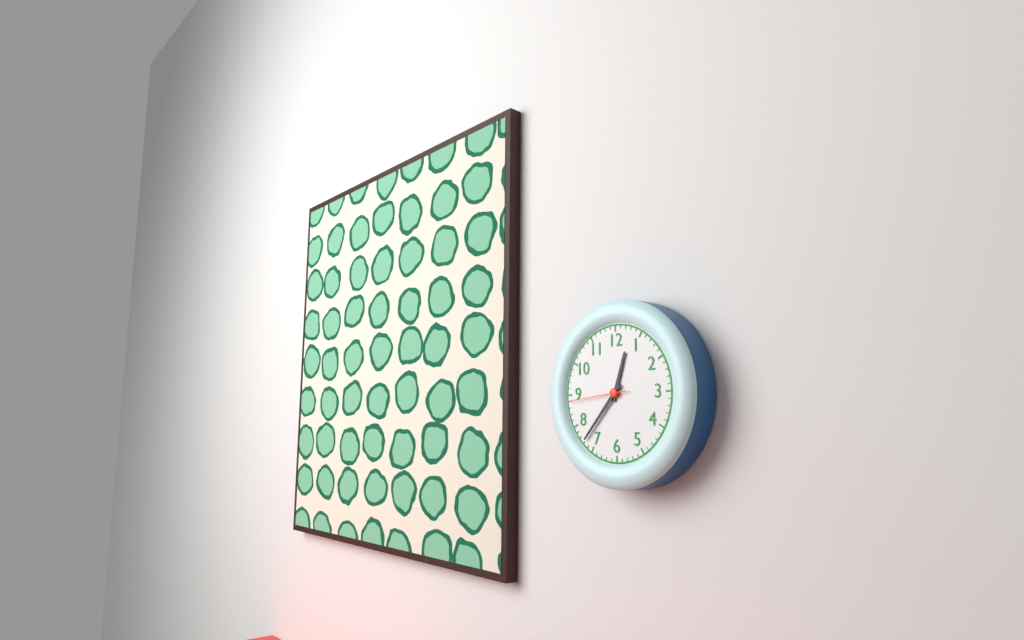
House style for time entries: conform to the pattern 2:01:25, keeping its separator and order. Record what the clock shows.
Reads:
12:37:44
